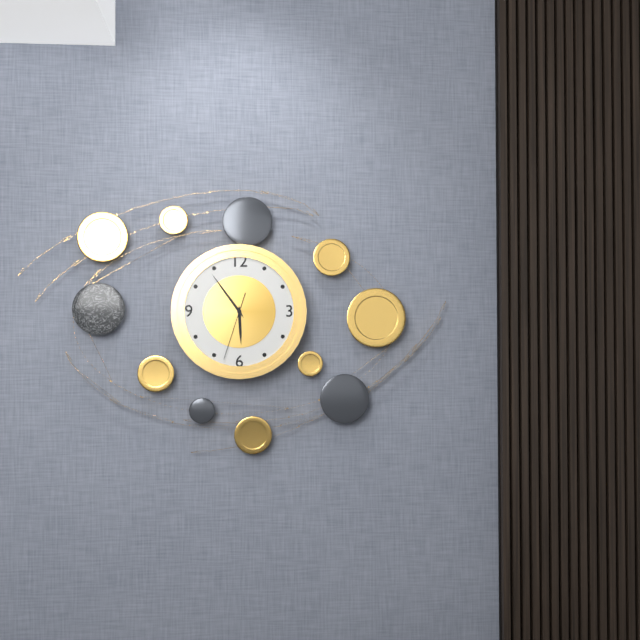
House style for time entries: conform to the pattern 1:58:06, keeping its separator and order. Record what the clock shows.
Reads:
5:54:33
